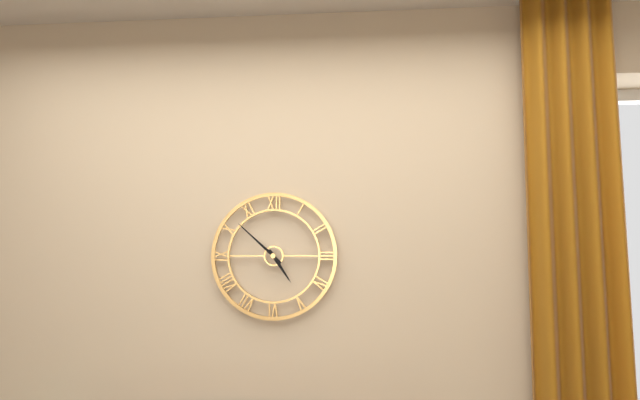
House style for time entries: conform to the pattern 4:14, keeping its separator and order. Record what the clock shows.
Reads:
4:52
